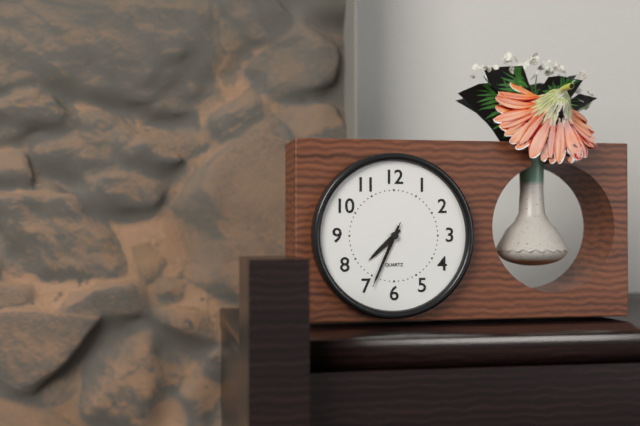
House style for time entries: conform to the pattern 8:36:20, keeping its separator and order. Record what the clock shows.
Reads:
7:34:34
